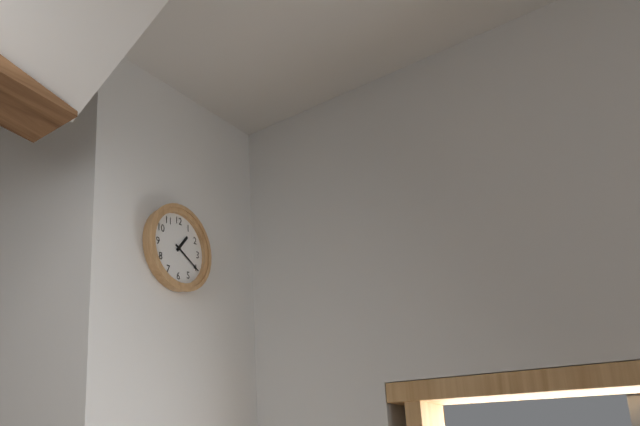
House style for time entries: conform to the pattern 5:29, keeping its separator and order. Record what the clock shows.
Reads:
1:20
